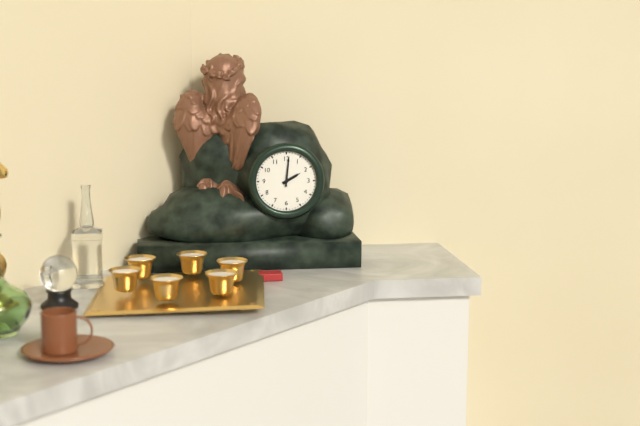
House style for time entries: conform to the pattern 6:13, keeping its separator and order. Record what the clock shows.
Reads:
2:01
